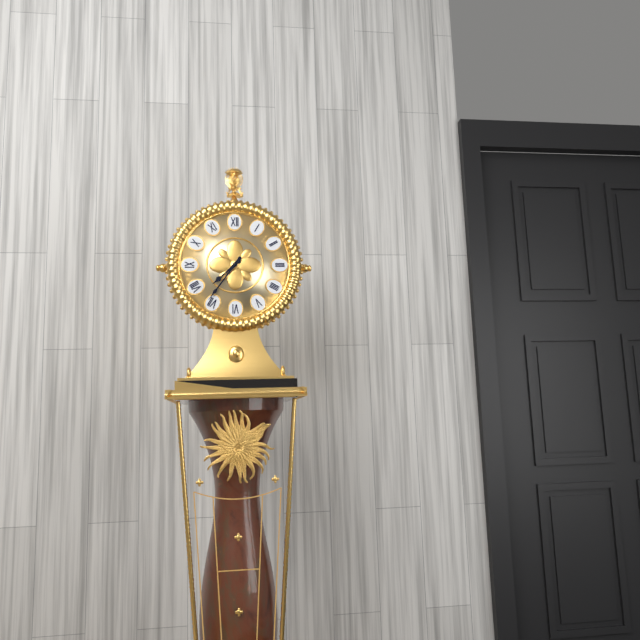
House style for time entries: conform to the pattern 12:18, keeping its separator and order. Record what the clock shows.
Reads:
7:36
